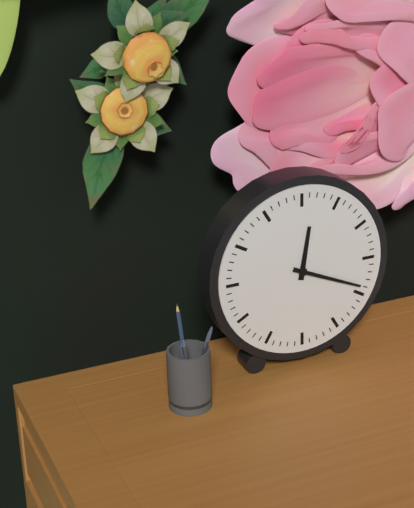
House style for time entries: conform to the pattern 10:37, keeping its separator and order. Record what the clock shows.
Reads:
12:19
